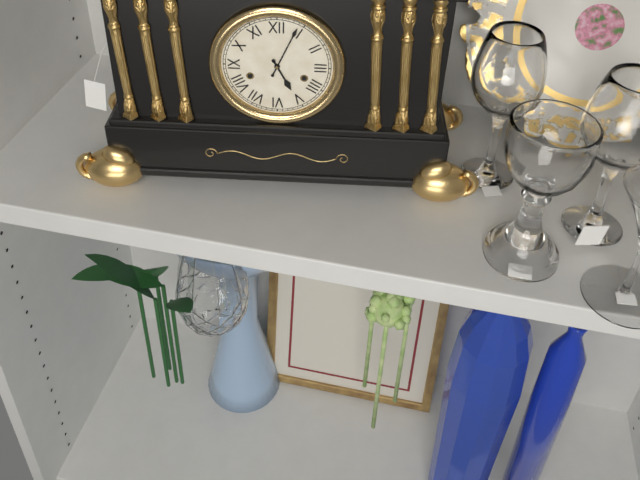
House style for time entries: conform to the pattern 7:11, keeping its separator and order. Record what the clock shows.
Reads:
5:04
